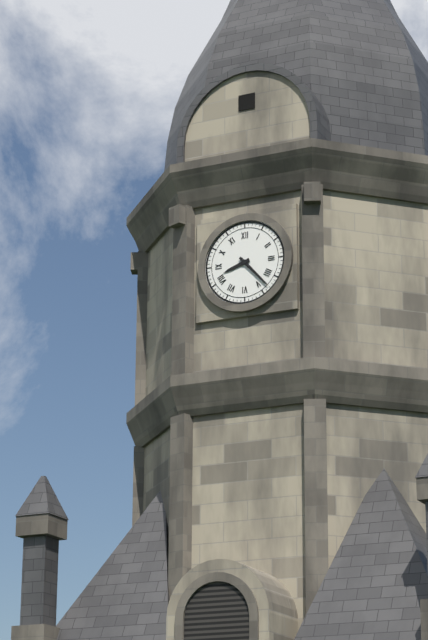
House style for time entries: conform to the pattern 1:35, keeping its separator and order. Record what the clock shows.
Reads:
8:23
